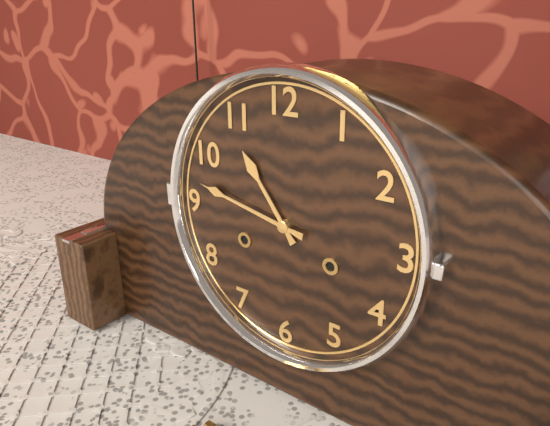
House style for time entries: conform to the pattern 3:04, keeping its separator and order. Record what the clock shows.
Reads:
10:47
